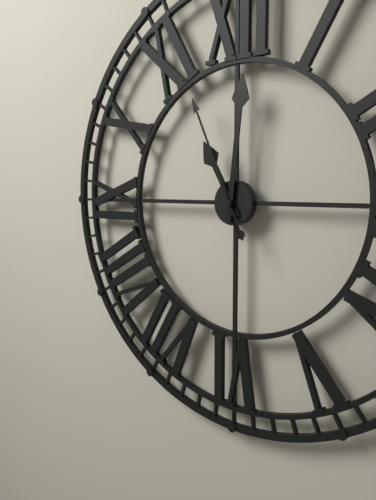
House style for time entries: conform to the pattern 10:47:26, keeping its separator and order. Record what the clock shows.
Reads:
11:01:56
